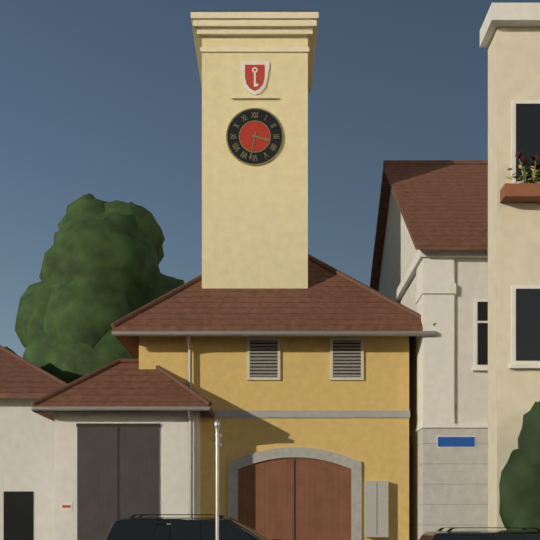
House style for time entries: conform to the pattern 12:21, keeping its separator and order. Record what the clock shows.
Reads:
3:32
